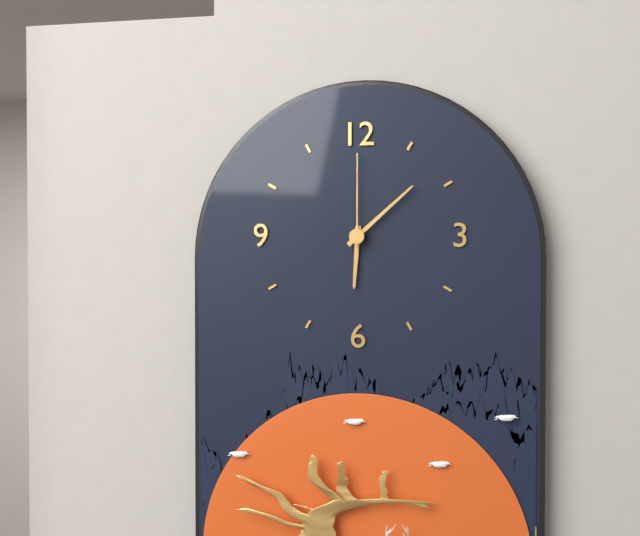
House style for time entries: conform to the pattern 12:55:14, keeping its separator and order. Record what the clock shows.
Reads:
6:08:00
